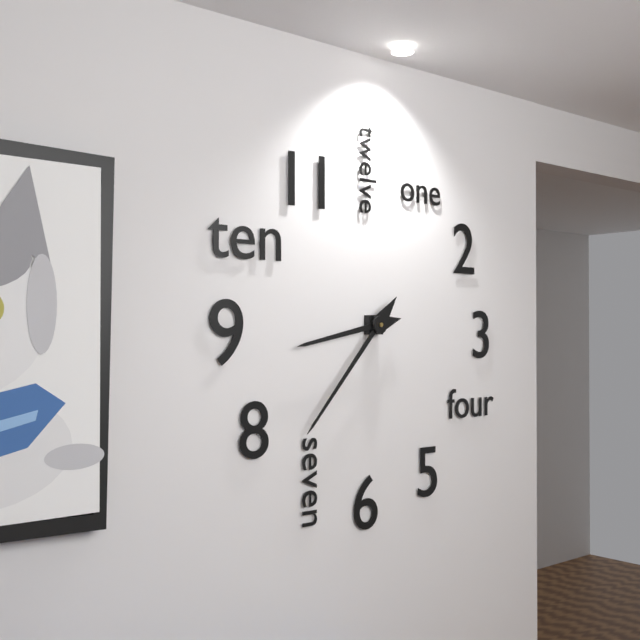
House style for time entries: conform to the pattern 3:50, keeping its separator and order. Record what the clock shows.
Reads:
8:37
